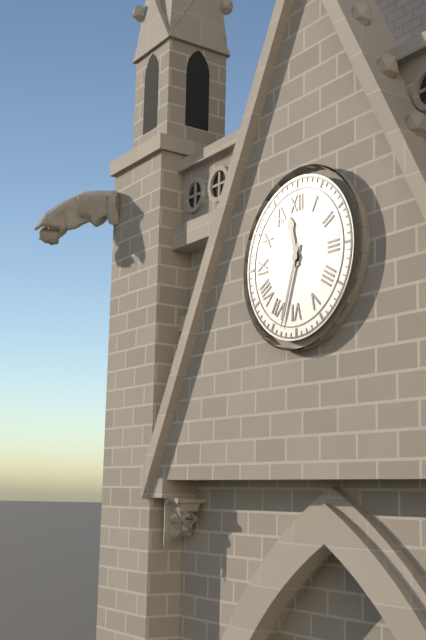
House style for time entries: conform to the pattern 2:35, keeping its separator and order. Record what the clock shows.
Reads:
11:33
